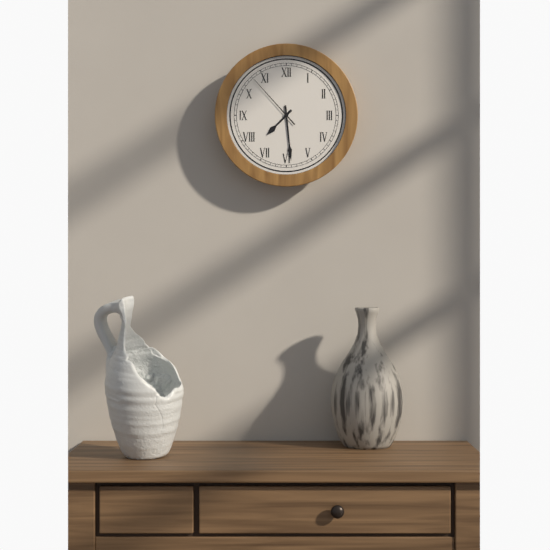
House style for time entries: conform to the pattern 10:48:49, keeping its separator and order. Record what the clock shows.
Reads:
7:29:53
